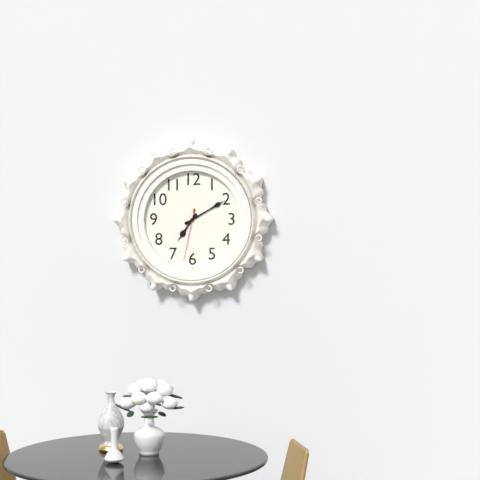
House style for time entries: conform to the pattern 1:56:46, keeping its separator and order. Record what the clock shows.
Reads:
7:10:32
